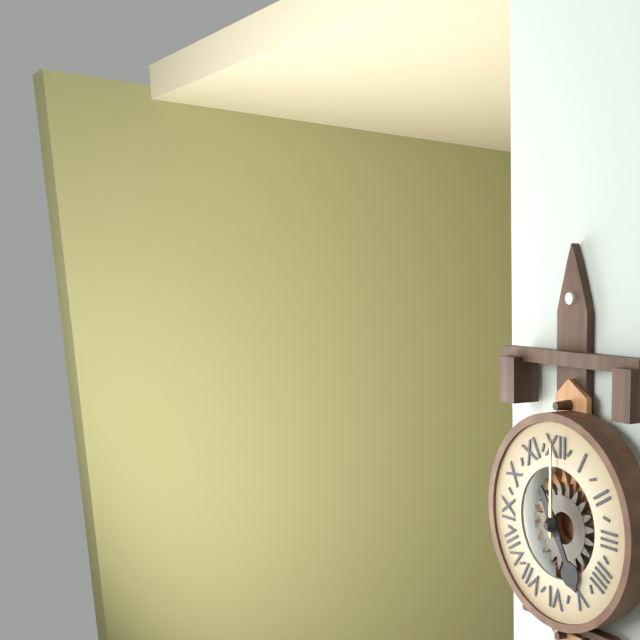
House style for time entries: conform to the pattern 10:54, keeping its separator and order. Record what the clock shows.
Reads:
5:00
